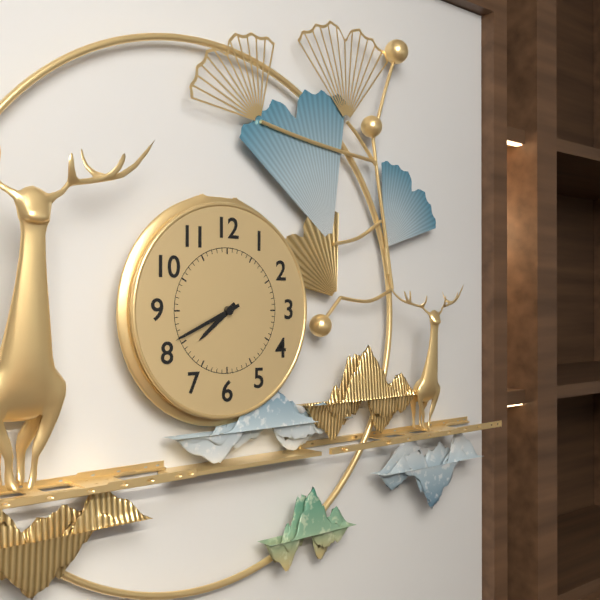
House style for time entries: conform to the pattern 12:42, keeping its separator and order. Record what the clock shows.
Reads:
7:41
